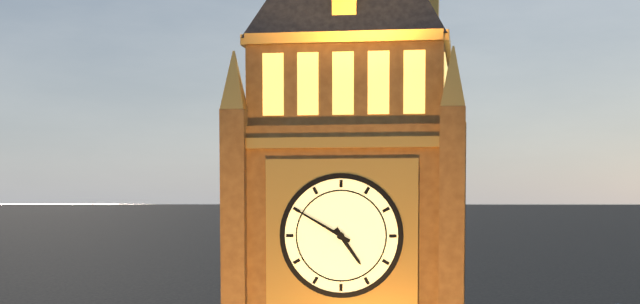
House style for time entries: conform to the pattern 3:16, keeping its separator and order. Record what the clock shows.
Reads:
4:50
